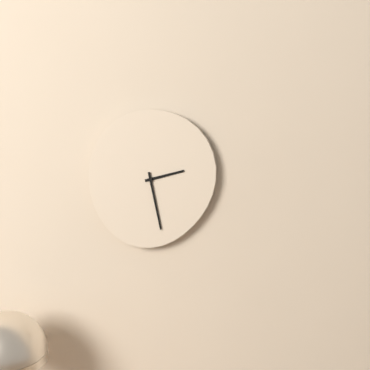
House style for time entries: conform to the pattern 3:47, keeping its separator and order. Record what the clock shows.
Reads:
2:28
